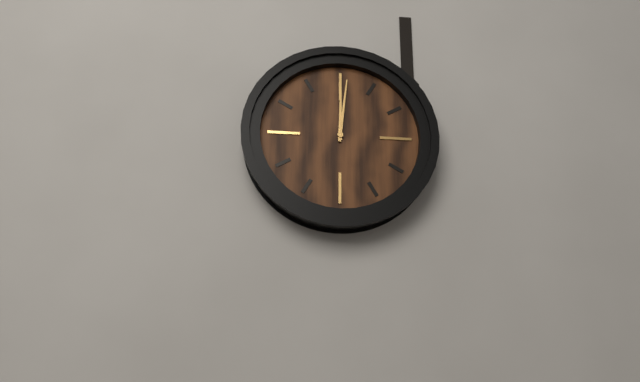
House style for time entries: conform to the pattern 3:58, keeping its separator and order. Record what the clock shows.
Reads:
12:01
